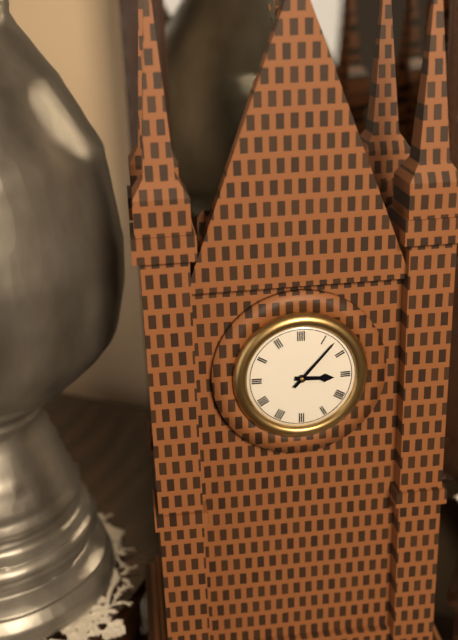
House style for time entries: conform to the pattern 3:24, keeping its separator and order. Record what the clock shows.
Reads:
3:07
